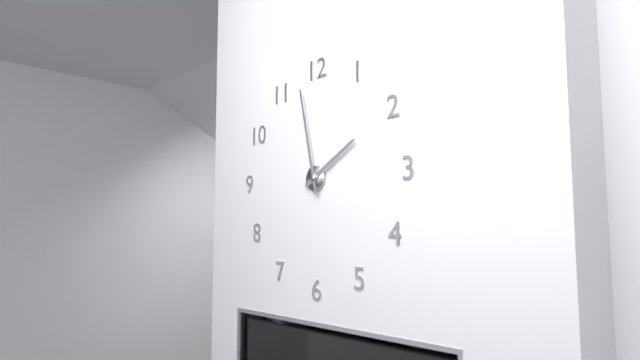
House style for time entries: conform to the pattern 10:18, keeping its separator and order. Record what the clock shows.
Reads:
1:58
